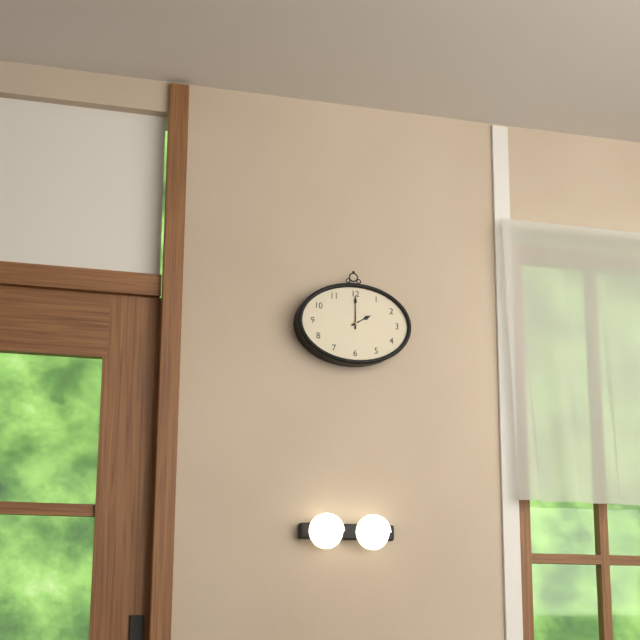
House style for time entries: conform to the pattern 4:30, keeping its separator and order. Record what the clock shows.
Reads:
2:00
